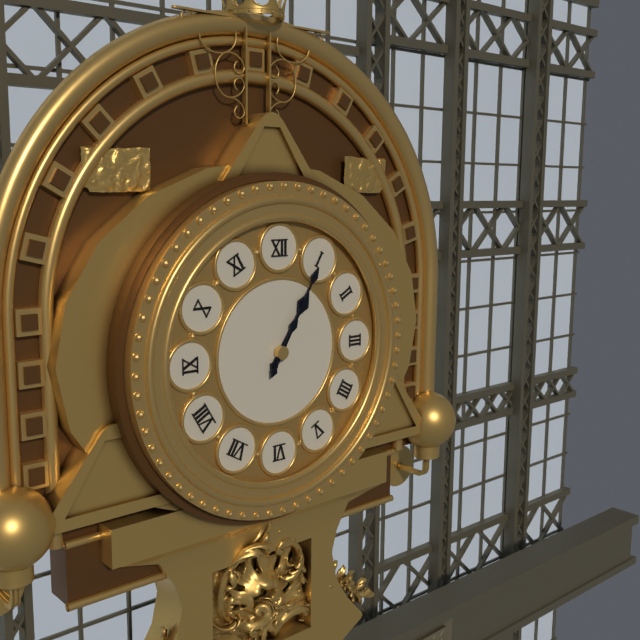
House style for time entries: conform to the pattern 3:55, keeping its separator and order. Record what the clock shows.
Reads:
1:05
